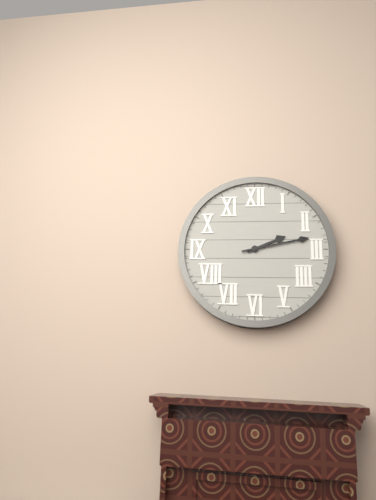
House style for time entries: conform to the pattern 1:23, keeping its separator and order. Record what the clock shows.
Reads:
2:13
